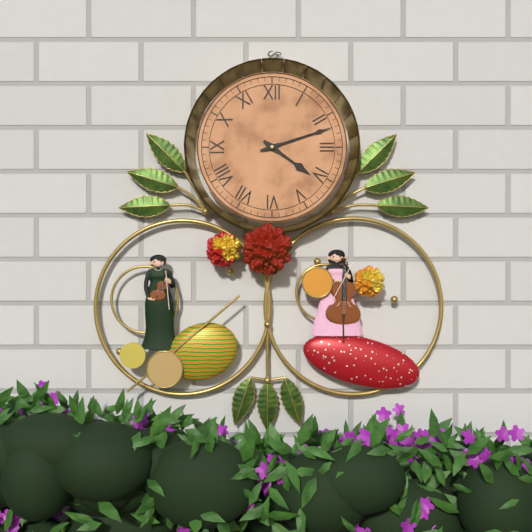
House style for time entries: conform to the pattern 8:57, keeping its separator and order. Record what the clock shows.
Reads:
4:12
